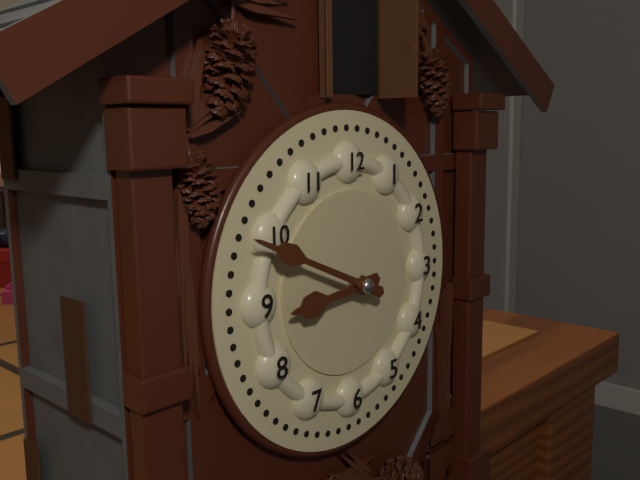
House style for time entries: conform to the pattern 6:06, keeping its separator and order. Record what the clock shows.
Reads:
8:49
